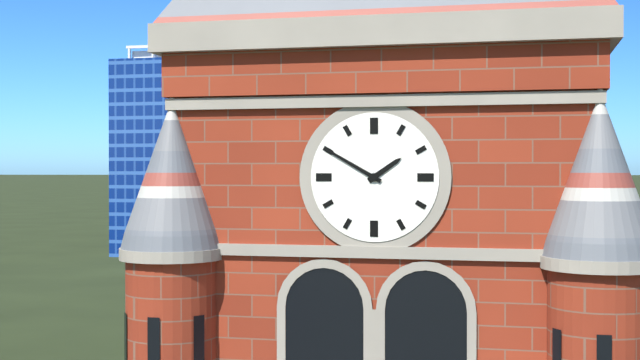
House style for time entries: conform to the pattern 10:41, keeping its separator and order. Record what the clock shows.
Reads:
1:50
